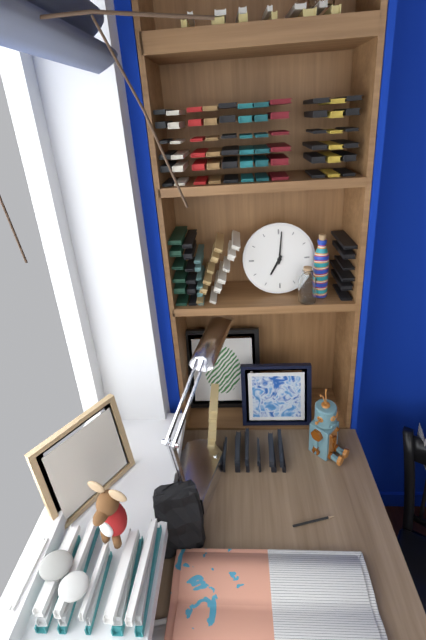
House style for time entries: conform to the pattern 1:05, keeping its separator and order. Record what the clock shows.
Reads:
7:01
